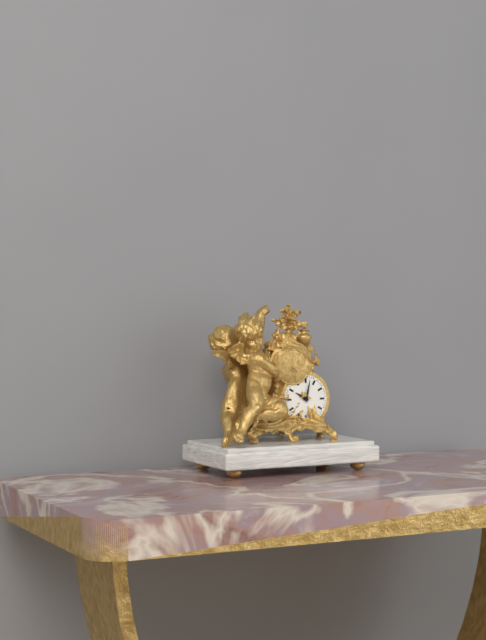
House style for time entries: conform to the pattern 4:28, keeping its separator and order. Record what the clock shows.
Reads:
10:02
